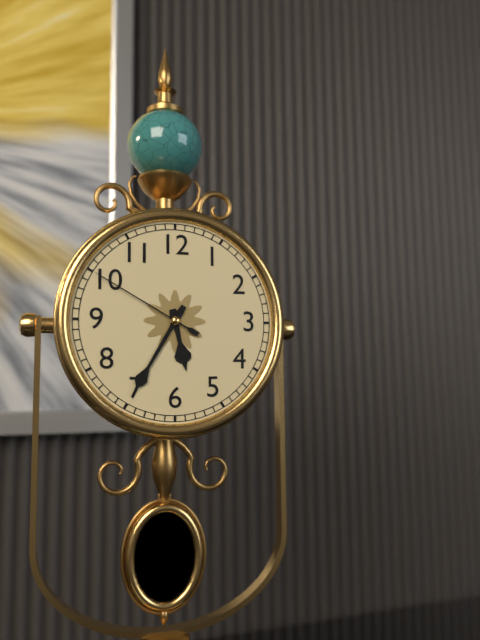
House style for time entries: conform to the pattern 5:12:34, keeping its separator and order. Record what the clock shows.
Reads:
5:35:50
